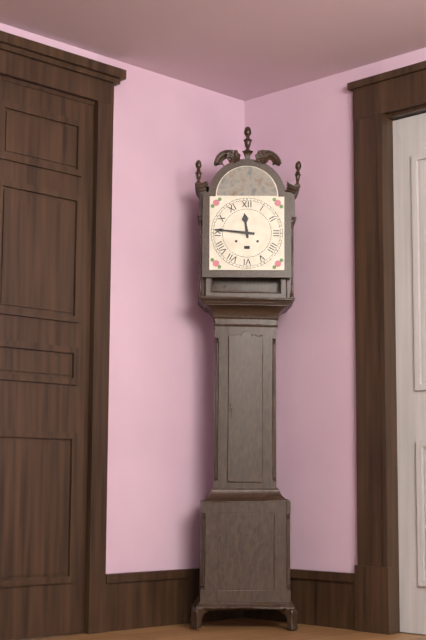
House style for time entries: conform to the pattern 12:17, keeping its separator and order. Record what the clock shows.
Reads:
11:46
